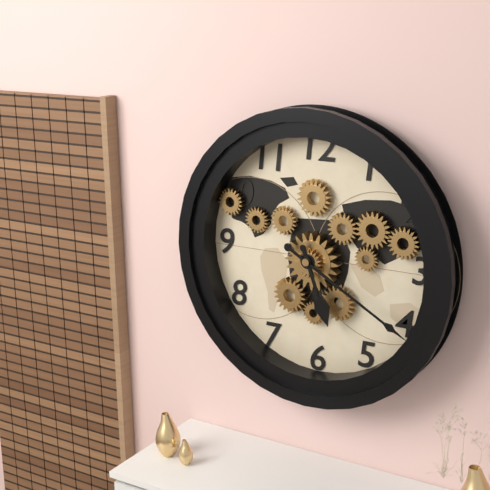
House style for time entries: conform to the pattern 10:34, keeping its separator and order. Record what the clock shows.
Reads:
5:20
